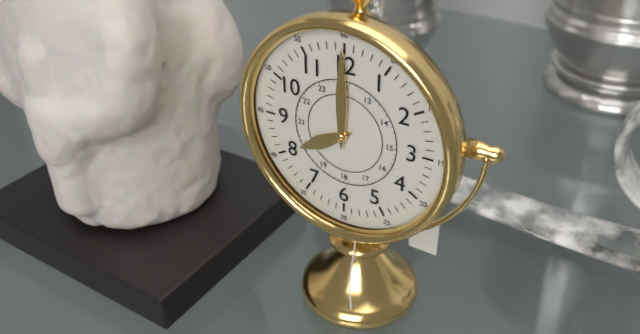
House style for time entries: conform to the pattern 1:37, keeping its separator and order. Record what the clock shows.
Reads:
8:00
